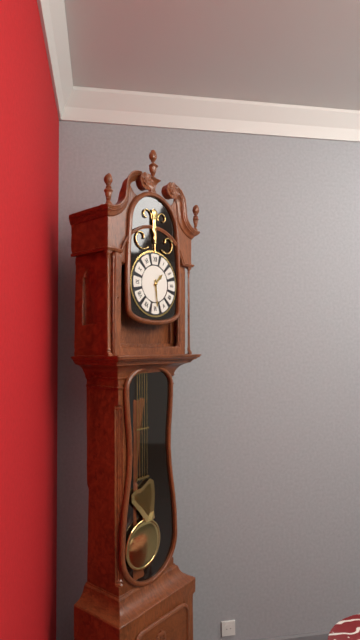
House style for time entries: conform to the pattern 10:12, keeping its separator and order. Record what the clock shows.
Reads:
1:29
